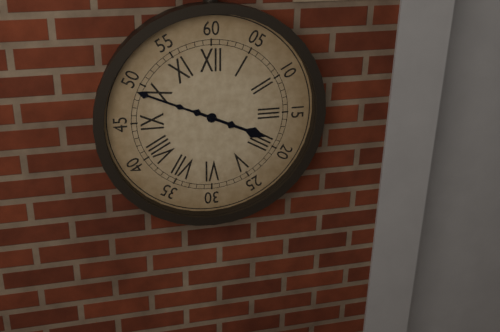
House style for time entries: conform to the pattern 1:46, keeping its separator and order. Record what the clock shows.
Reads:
3:49
